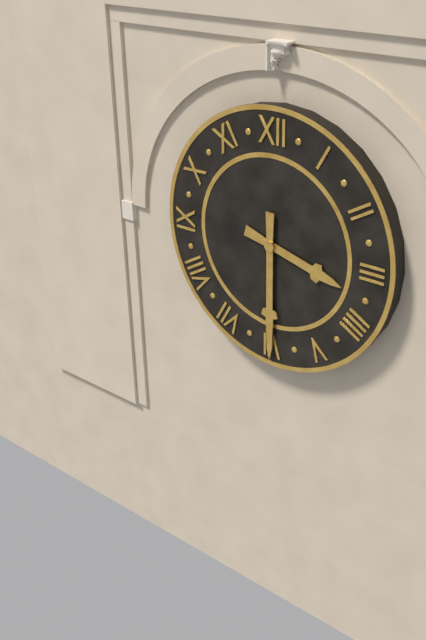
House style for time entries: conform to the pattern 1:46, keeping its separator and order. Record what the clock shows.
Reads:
3:30
